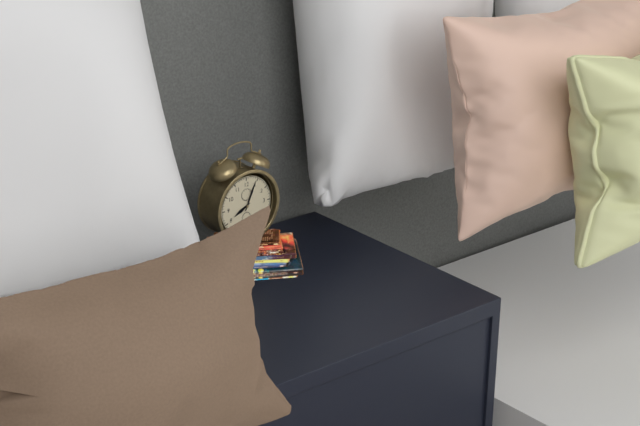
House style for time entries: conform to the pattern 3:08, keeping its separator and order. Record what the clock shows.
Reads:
8:04
